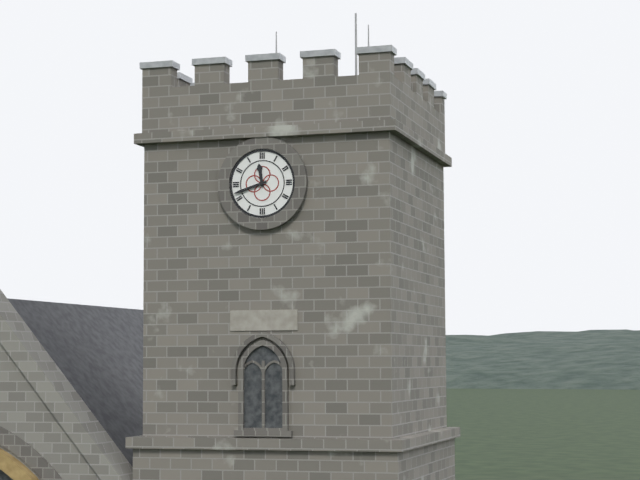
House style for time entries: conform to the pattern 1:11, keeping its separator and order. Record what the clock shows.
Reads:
11:42
